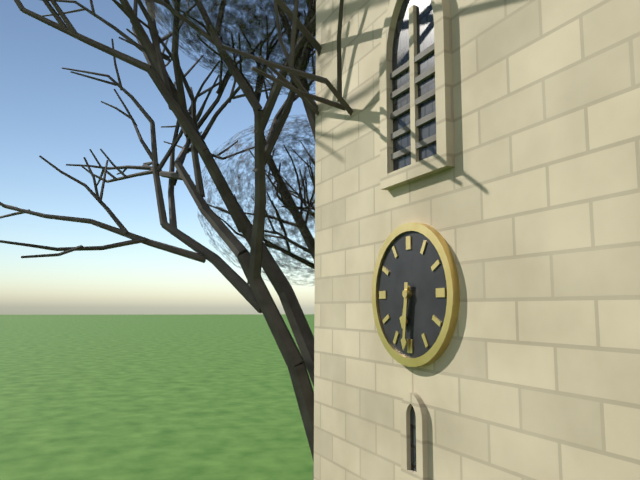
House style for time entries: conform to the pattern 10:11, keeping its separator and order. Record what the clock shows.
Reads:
6:31
